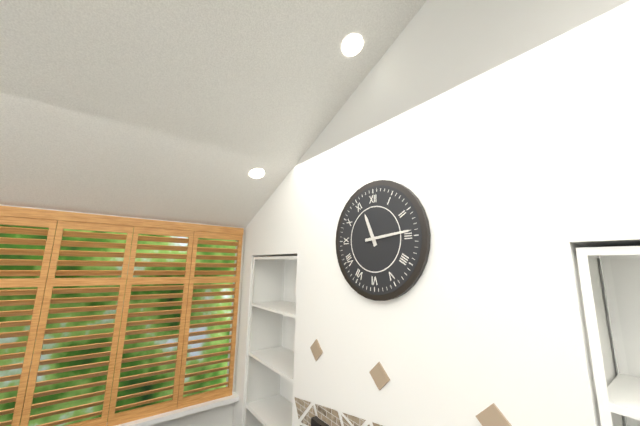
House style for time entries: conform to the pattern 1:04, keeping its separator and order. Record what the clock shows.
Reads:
11:14
